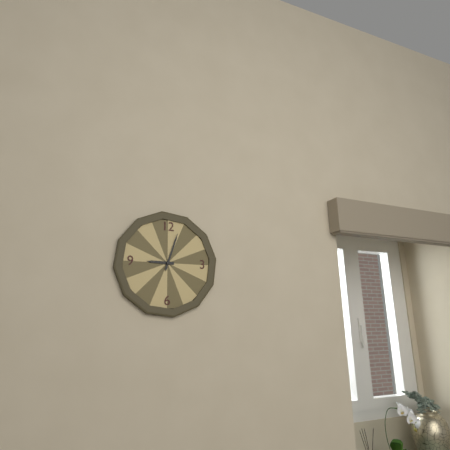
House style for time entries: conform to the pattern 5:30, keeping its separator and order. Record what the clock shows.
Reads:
9:03
